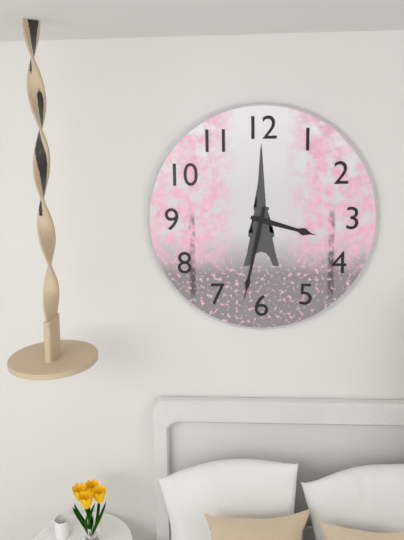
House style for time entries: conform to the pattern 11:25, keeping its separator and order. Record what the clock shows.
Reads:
3:32
